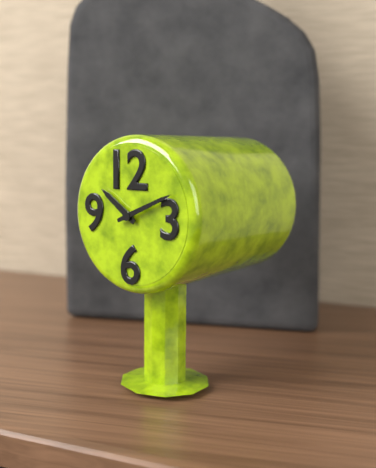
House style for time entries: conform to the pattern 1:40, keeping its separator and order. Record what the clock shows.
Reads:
10:11
